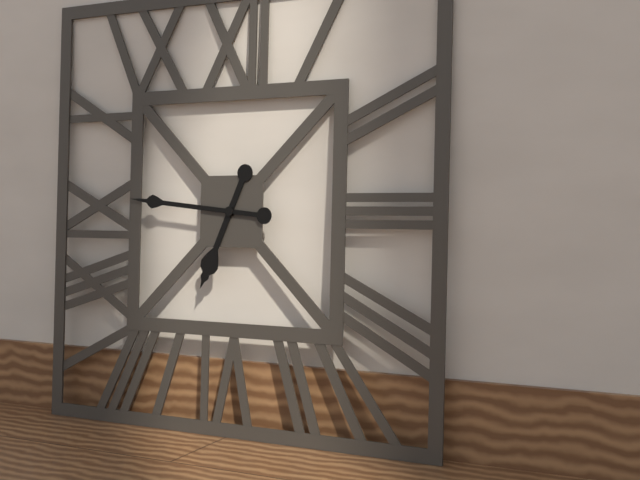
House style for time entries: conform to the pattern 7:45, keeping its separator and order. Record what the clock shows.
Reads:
6:46
